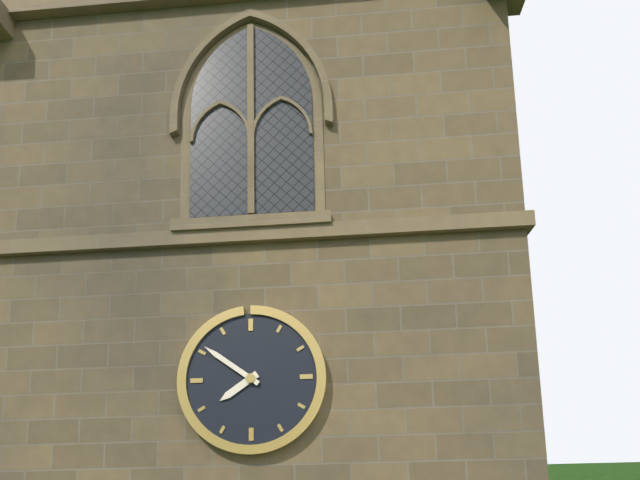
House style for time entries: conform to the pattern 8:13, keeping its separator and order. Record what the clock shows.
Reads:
7:51
